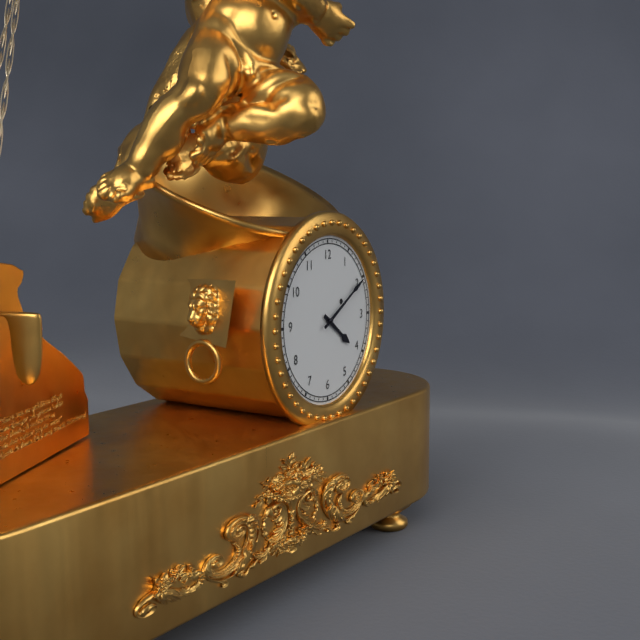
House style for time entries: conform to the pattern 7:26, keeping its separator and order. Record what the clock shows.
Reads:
4:10
